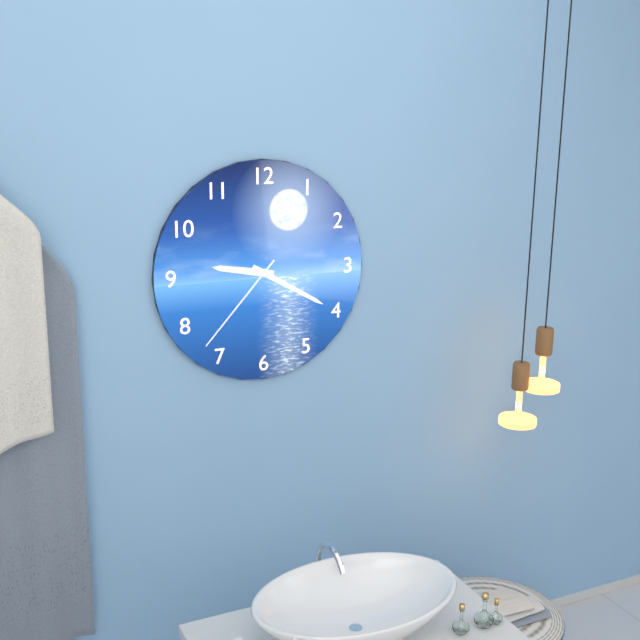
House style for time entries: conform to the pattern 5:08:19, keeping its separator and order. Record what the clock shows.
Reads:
9:20:37
